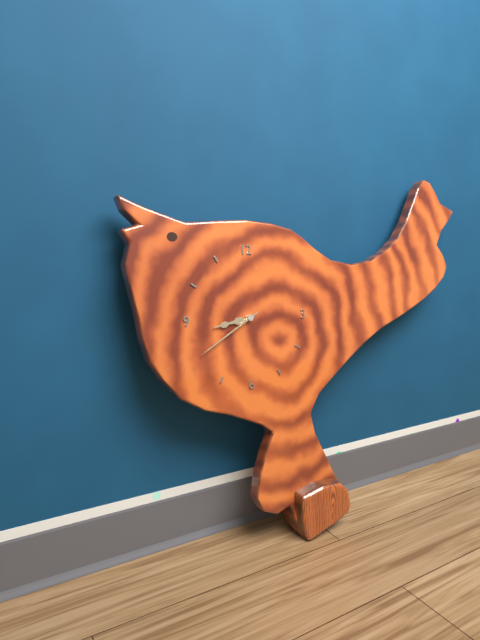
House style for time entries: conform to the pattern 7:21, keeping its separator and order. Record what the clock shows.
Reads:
8:40
